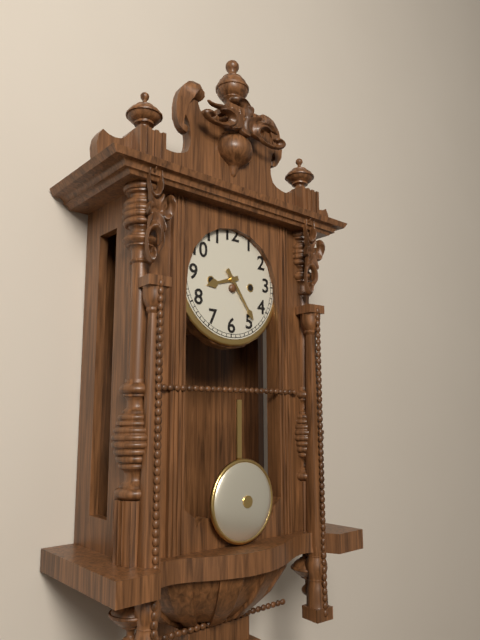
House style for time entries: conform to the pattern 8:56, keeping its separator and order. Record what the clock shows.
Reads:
8:24
